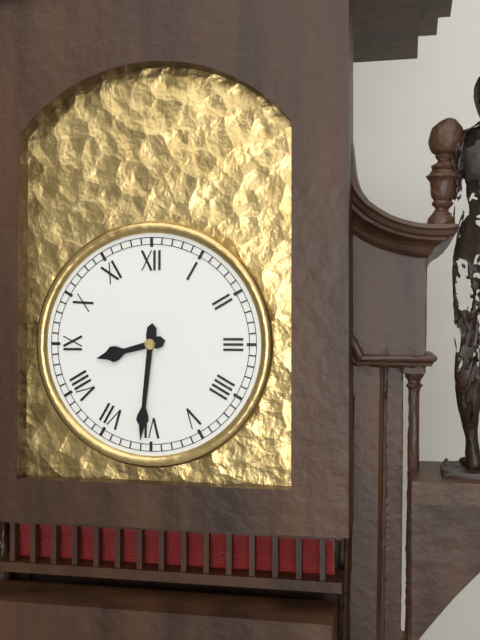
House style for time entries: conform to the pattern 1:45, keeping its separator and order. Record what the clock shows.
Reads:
8:31
